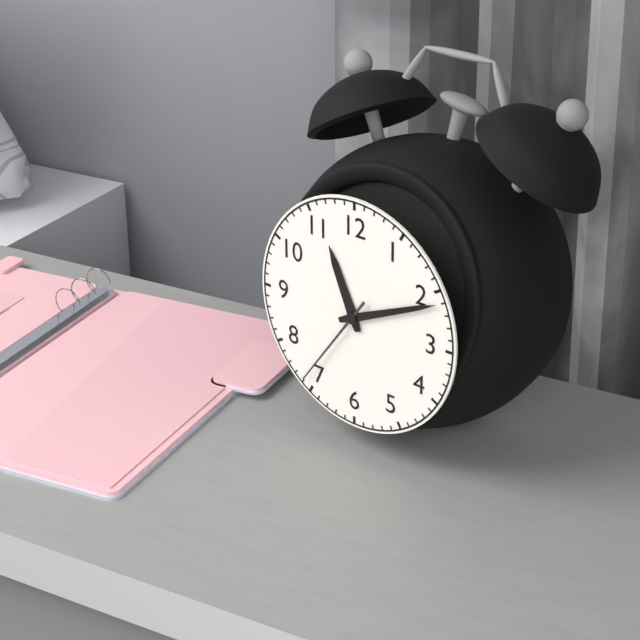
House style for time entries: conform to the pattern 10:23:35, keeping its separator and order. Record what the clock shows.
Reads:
11:11:36
